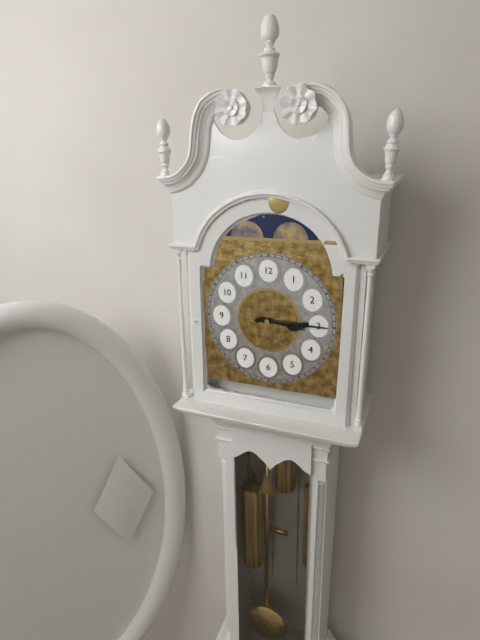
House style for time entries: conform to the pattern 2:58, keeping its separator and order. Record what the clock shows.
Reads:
3:15
